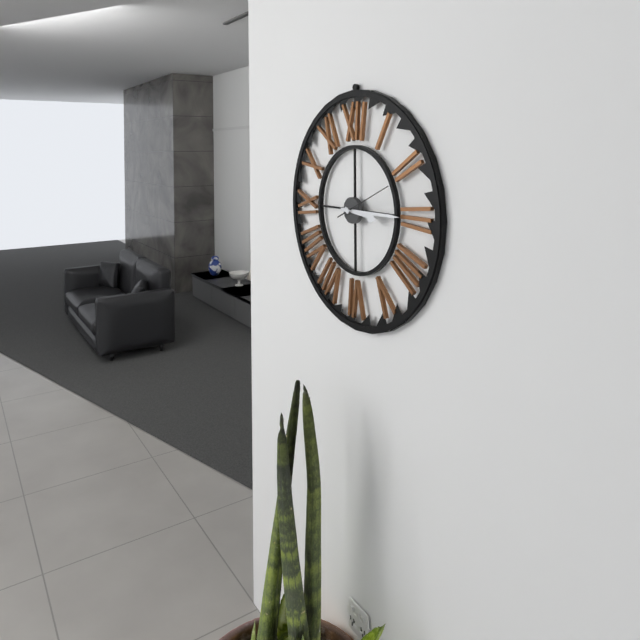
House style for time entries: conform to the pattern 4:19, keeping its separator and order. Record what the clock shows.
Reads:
3:15
